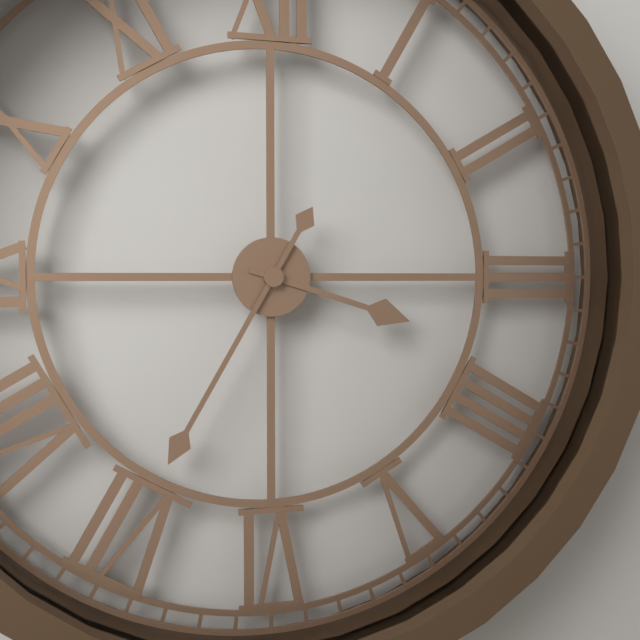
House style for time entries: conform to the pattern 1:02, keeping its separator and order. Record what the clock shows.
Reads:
3:35
